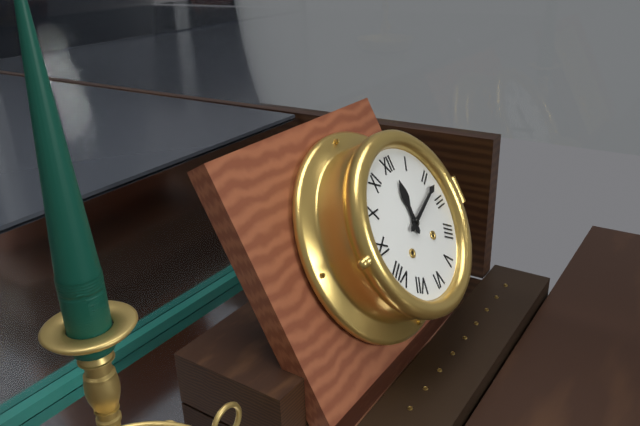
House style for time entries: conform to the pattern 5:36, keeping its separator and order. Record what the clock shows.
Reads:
12:12
